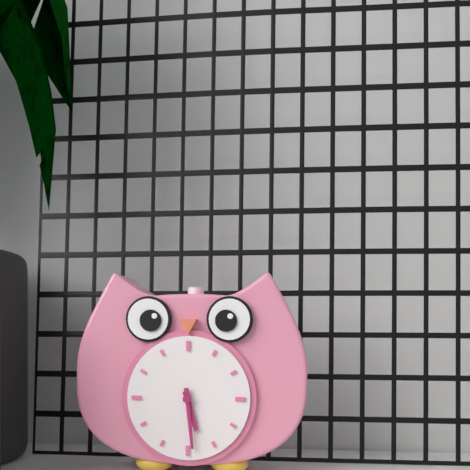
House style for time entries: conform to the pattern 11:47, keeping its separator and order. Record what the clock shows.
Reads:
5:29
